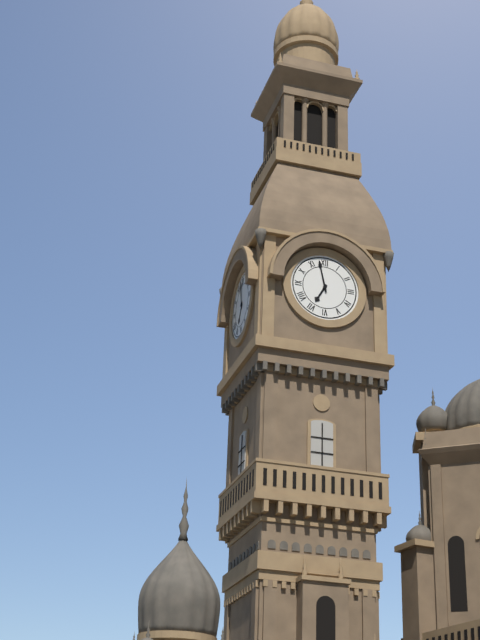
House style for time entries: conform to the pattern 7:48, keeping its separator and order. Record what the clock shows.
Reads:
6:58
